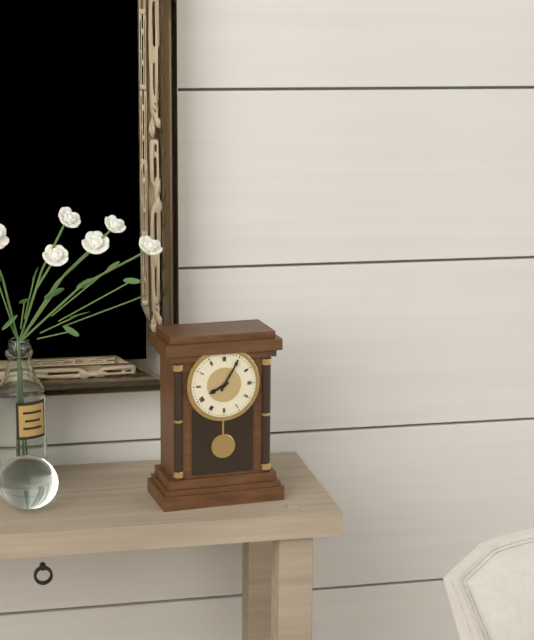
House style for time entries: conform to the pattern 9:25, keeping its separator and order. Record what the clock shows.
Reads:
8:05
